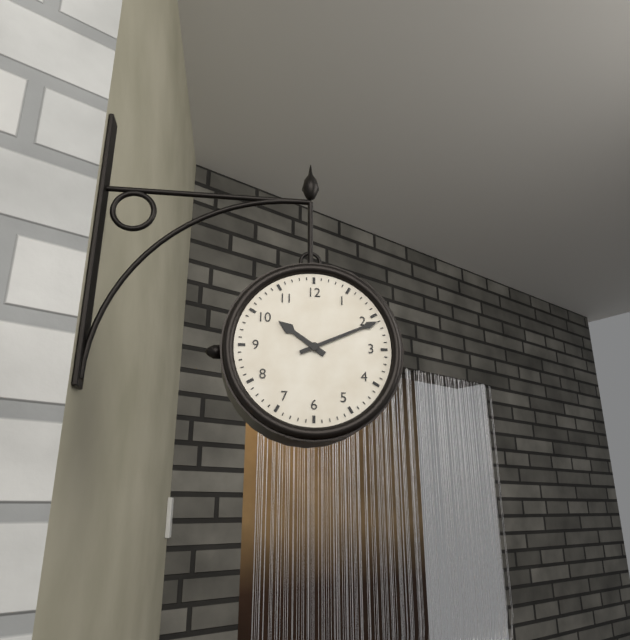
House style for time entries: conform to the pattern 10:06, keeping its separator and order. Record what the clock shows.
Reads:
10:11
